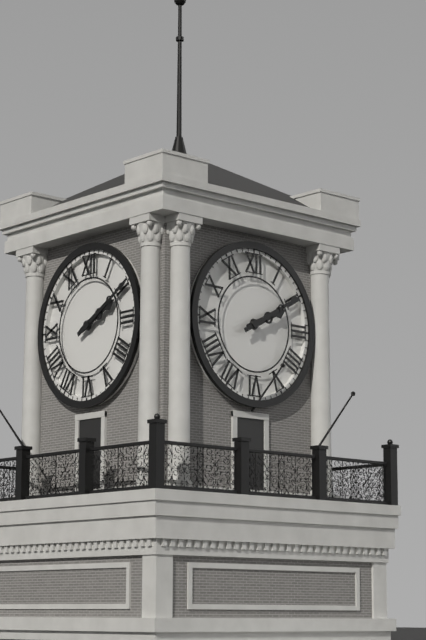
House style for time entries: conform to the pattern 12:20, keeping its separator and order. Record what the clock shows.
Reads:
2:10
